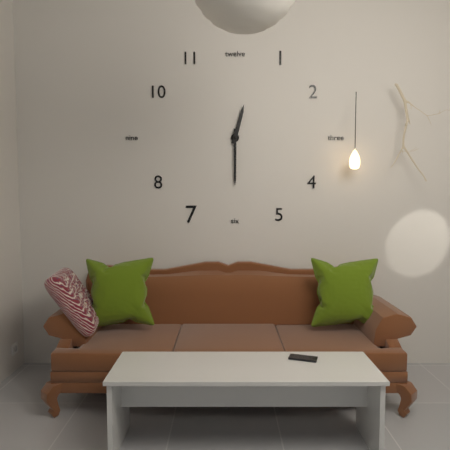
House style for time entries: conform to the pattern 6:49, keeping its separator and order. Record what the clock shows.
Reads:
12:30
